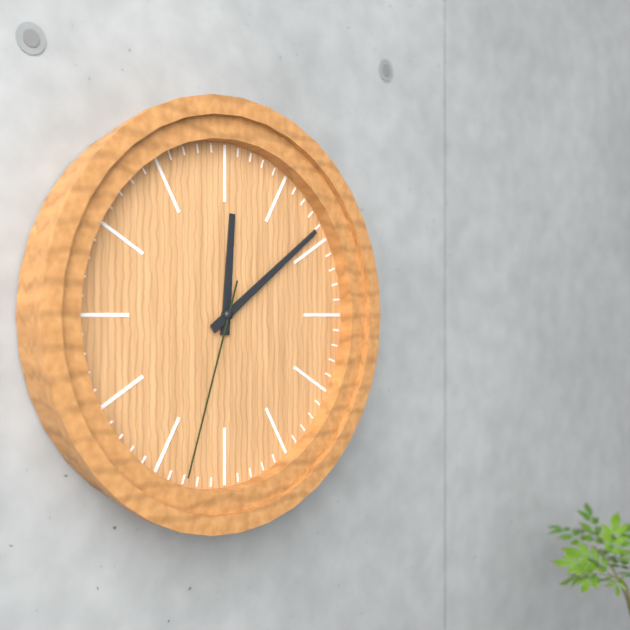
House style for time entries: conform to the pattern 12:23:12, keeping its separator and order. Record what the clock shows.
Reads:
12:09:33
